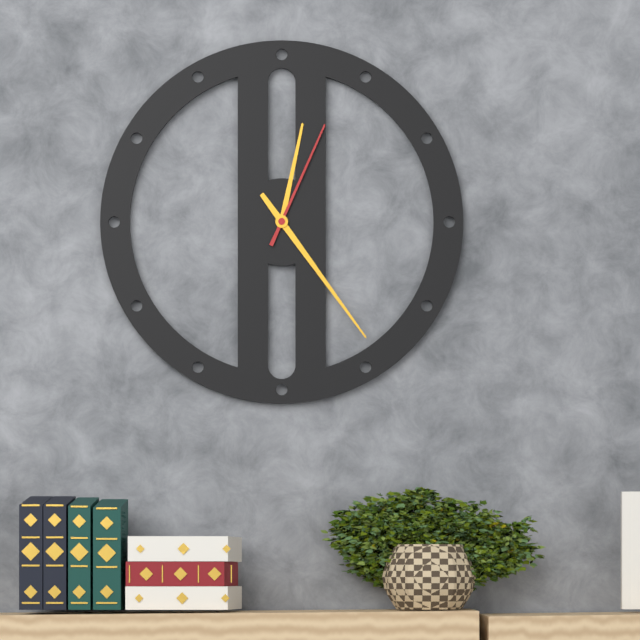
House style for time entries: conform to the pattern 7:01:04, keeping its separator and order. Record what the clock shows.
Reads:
12:24:04
